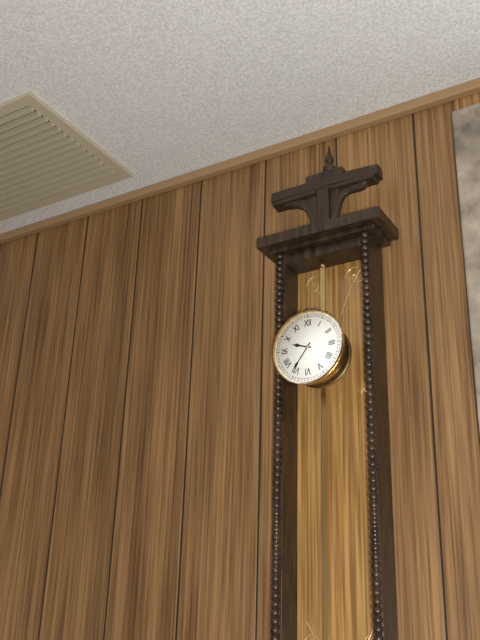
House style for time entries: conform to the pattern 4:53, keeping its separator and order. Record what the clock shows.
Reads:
9:36
